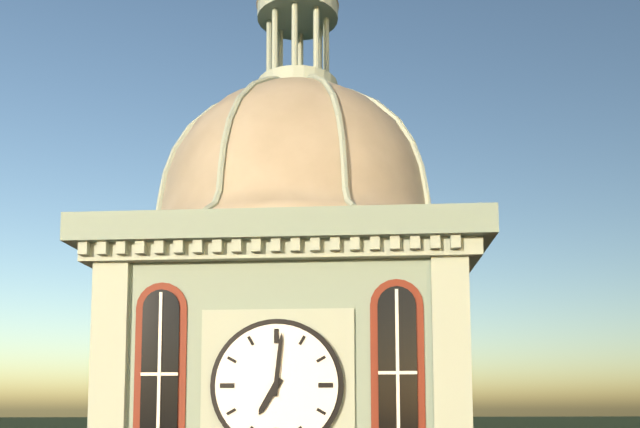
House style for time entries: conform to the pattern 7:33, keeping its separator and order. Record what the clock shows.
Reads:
7:01
